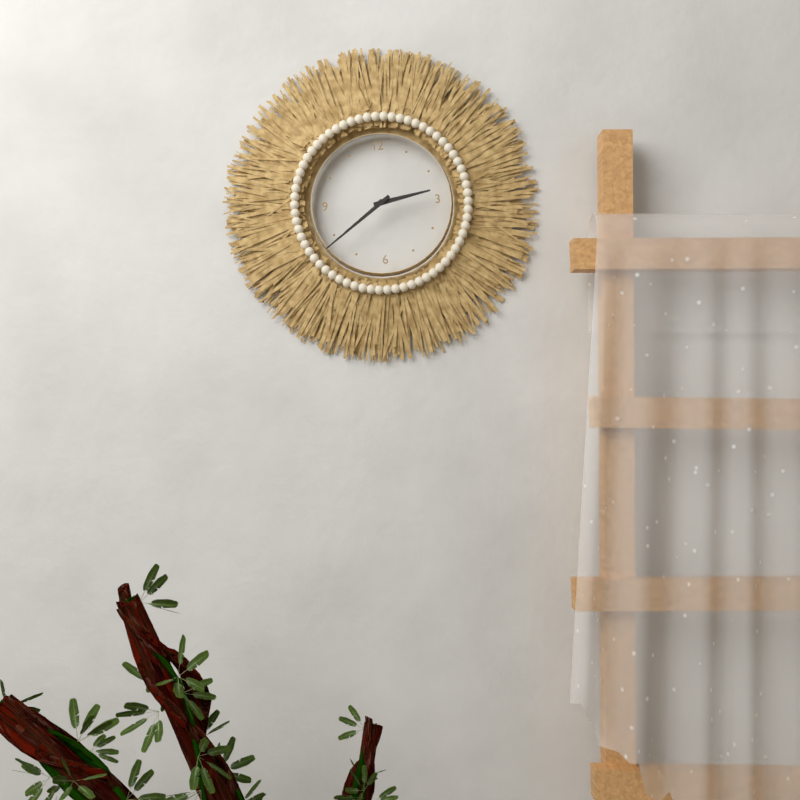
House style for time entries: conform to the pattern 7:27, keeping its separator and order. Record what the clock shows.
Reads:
2:39
